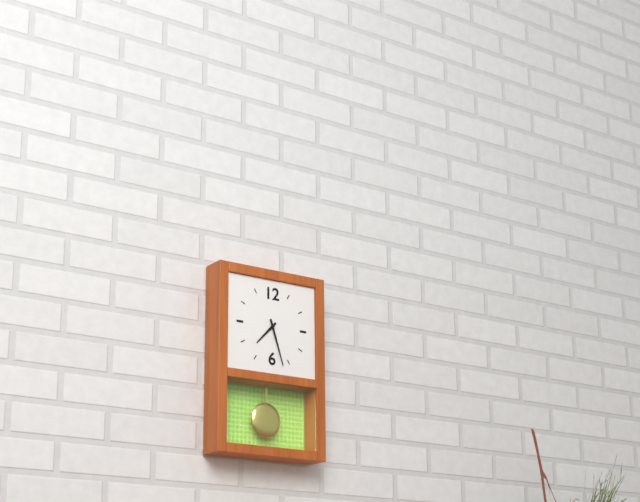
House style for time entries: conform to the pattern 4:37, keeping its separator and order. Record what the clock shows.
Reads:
7:27
